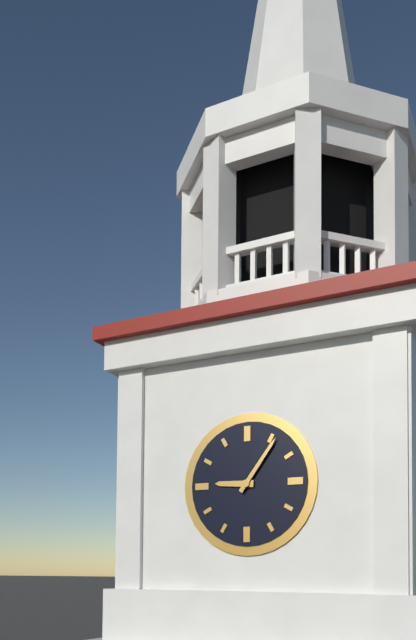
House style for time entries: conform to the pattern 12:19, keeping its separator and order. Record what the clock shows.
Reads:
9:06
